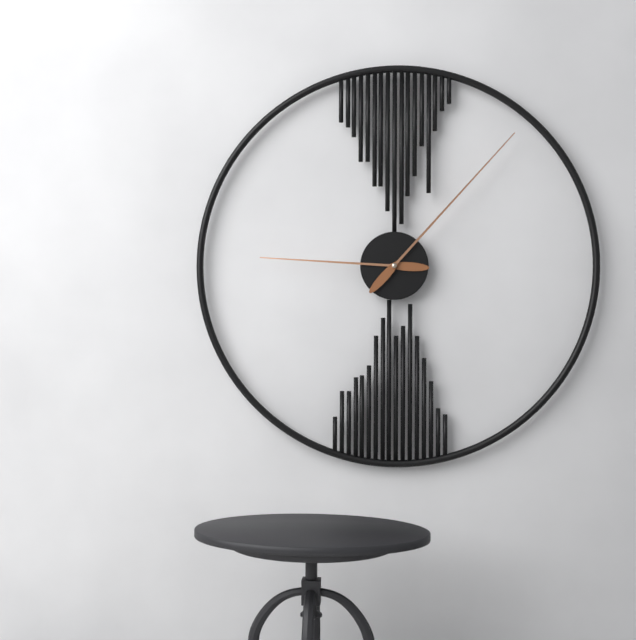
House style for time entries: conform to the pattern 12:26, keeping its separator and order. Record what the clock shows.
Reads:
9:07
